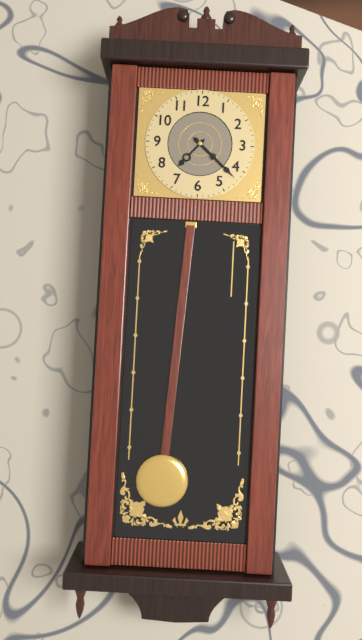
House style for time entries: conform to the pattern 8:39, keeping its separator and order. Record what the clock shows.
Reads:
7:22
